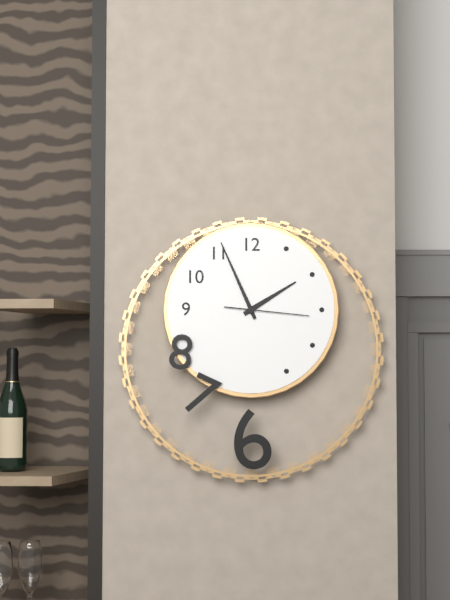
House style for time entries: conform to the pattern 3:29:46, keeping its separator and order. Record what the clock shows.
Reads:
1:56:16
